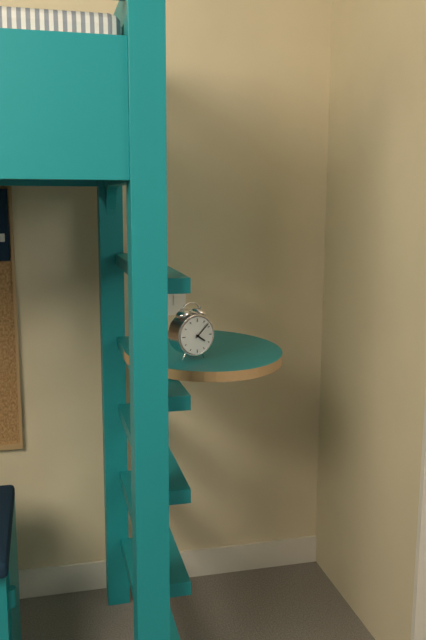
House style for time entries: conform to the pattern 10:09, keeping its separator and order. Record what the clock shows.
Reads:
4:08
